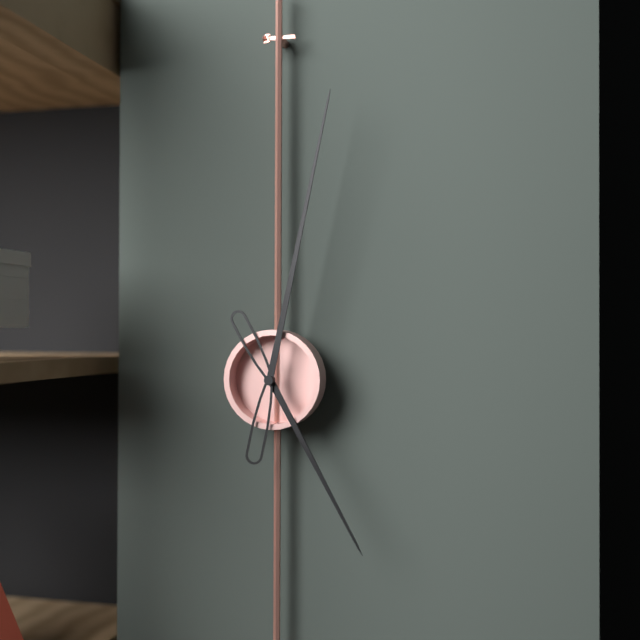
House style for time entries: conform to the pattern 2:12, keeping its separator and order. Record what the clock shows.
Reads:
5:02
